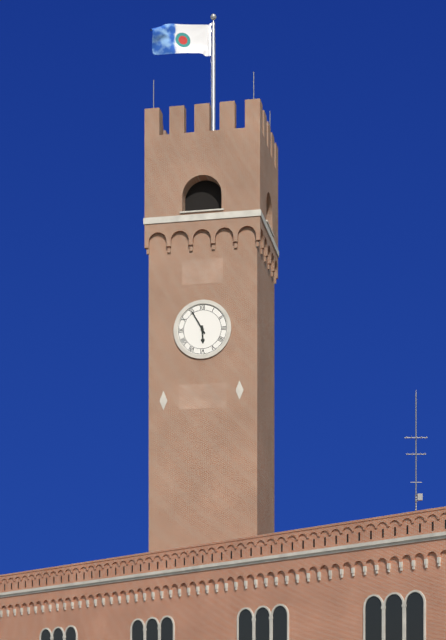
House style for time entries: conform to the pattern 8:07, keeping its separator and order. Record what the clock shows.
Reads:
5:55
